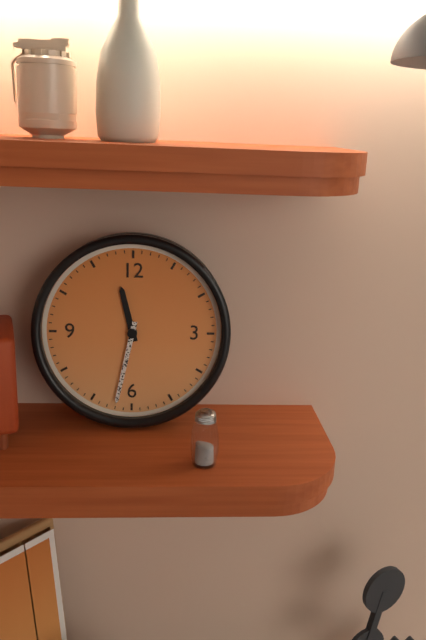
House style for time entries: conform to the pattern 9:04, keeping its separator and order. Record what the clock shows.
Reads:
11:32
